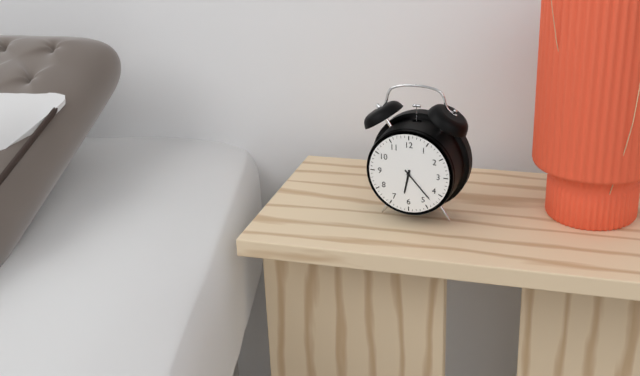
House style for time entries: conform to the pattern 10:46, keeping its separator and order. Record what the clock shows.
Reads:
6:23
